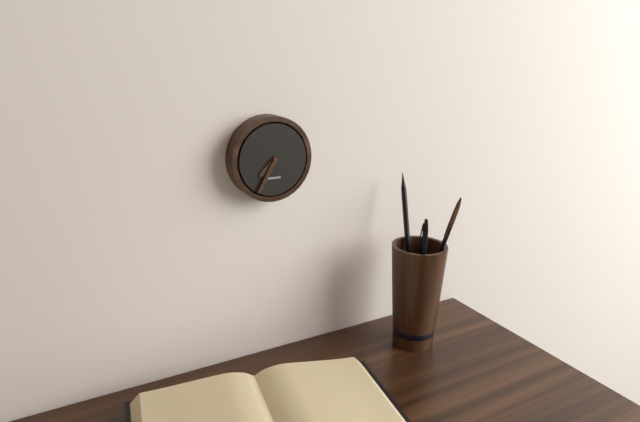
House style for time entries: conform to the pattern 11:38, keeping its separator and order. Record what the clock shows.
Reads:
7:35
